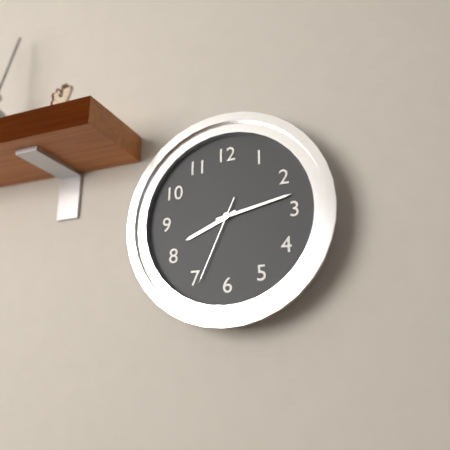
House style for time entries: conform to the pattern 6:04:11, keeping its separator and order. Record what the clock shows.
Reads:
8:13:34
